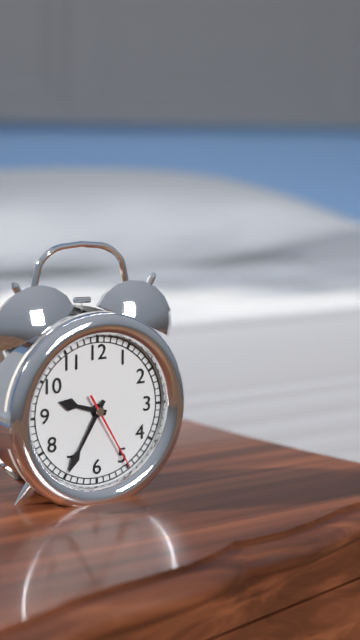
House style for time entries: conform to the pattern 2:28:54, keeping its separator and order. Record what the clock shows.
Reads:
9:35:25
